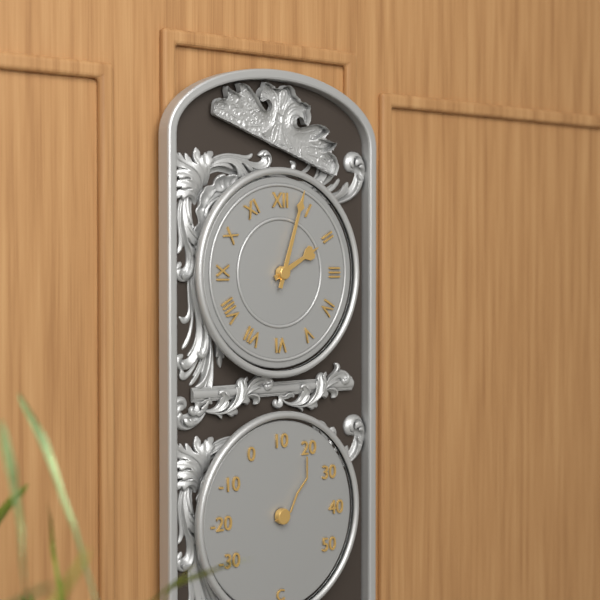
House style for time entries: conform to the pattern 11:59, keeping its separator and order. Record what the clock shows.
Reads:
2:03
